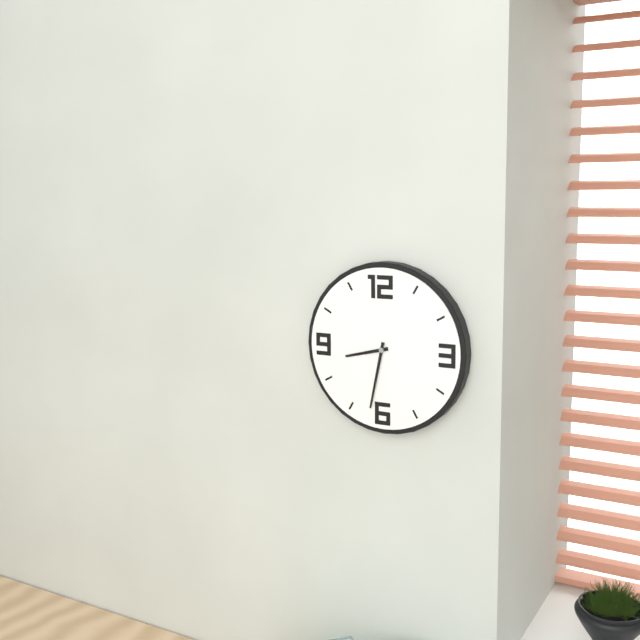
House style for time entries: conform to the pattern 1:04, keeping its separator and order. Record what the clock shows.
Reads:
8:32
